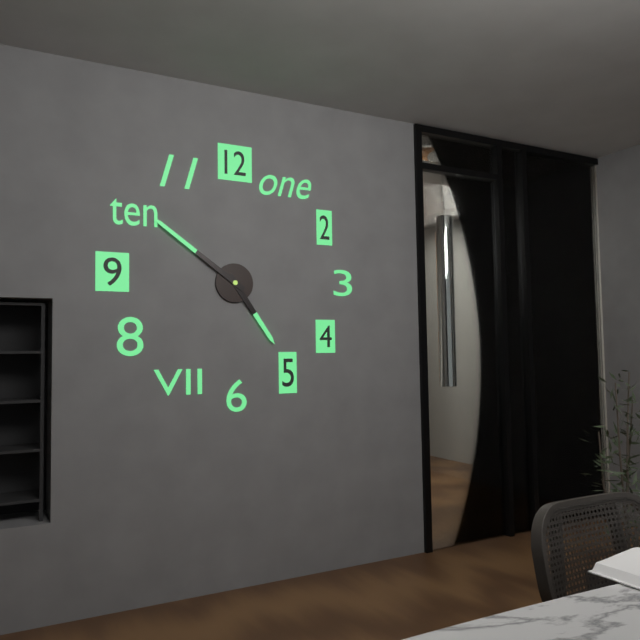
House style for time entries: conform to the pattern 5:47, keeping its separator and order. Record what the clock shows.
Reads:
4:51
